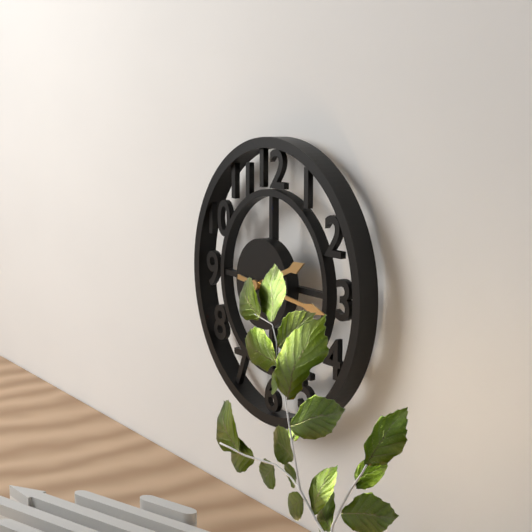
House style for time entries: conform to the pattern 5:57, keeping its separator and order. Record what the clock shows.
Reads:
2:16
